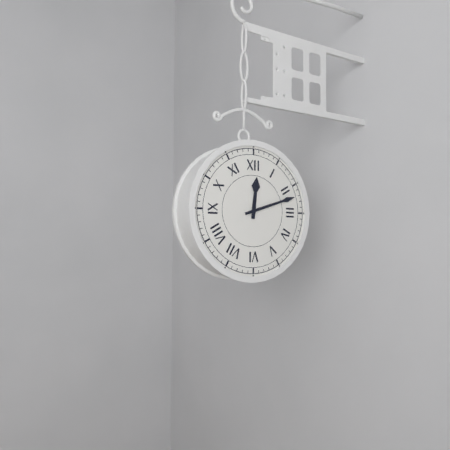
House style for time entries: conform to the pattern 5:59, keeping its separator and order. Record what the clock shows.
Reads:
12:12
